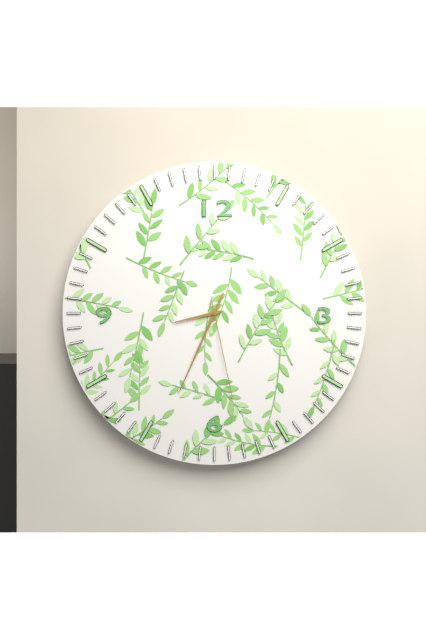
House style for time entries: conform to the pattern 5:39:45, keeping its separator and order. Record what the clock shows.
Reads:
8:34:28
